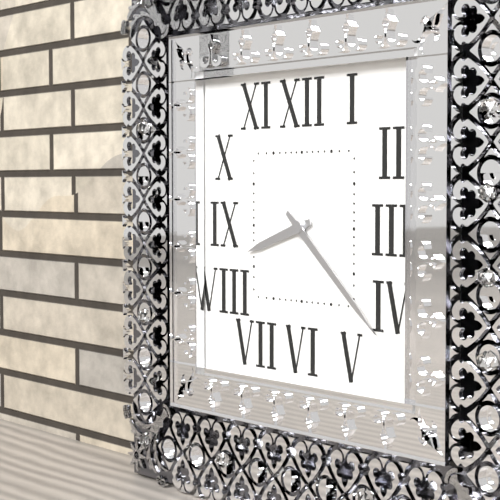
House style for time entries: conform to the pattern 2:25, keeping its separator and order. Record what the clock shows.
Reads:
8:22
